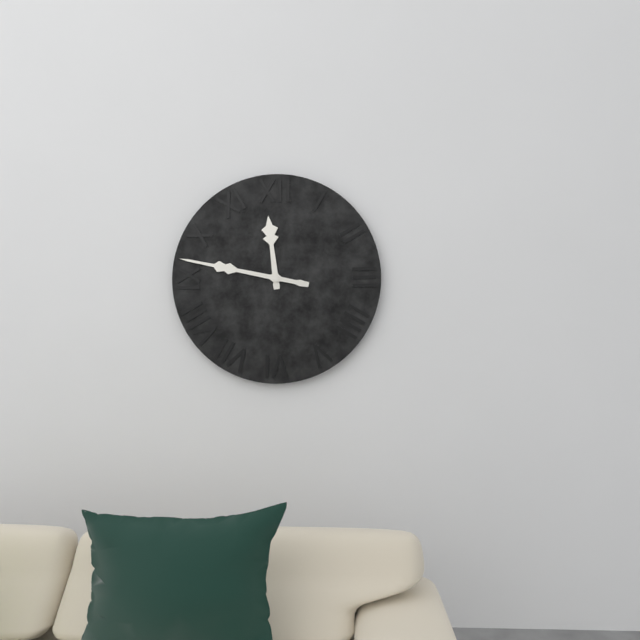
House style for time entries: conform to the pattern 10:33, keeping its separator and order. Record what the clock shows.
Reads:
11:47
